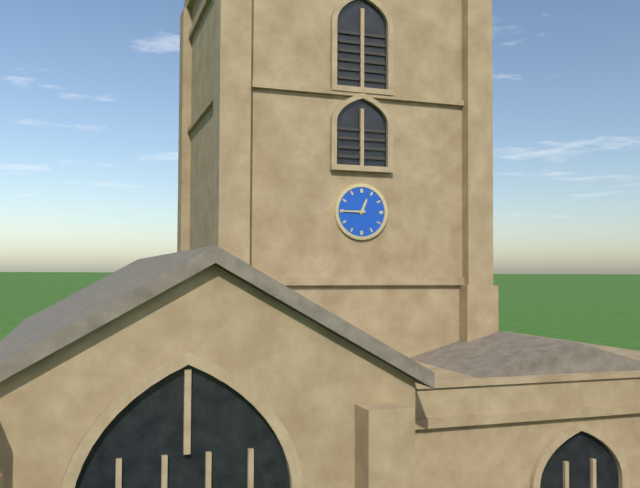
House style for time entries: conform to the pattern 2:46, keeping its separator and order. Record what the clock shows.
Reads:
12:45
